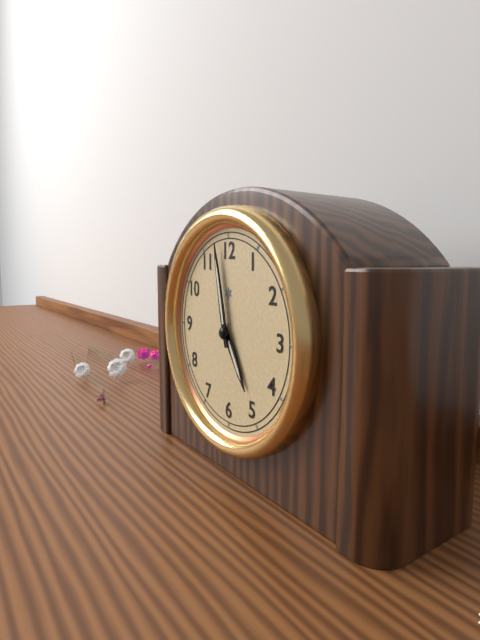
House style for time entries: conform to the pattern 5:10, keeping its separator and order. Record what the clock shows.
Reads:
4:58
